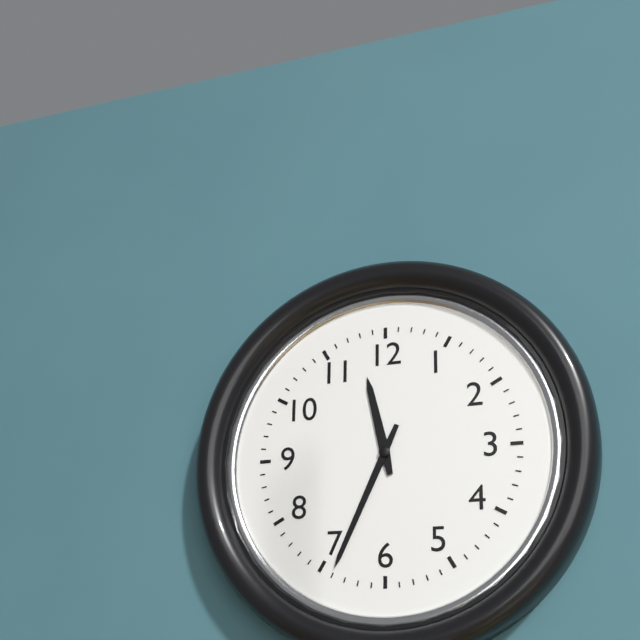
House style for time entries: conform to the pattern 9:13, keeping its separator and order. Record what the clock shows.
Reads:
11:34
